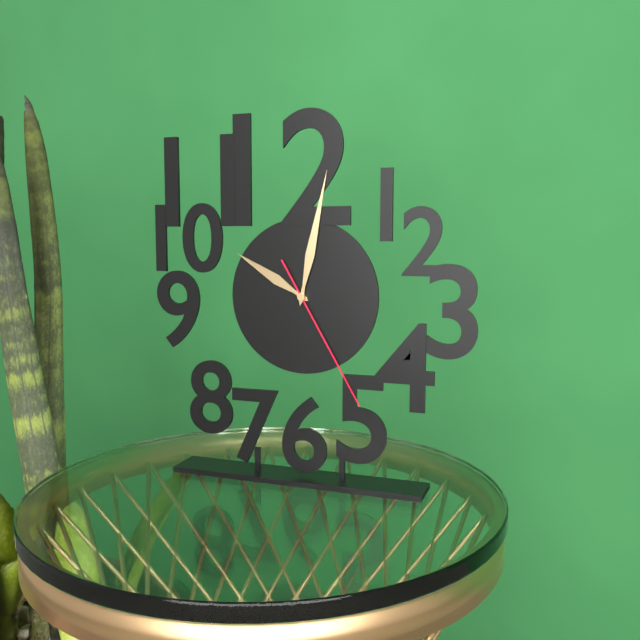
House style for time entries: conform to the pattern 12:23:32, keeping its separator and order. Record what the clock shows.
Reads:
10:02:25
